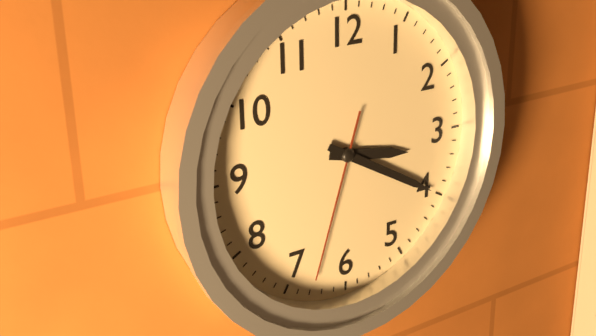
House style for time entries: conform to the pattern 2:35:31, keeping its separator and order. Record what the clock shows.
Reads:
3:20:33
